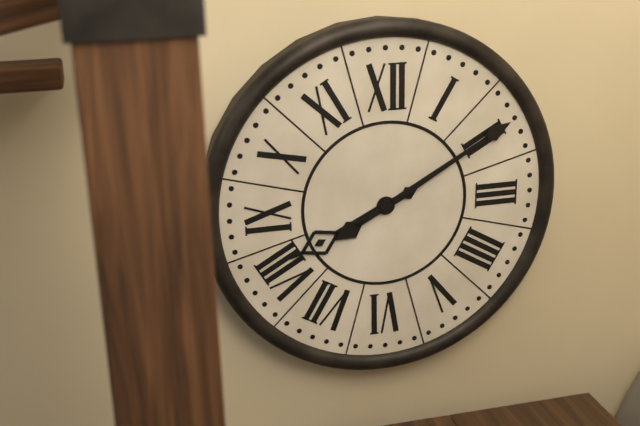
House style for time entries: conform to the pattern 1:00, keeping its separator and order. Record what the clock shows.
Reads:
8:10
